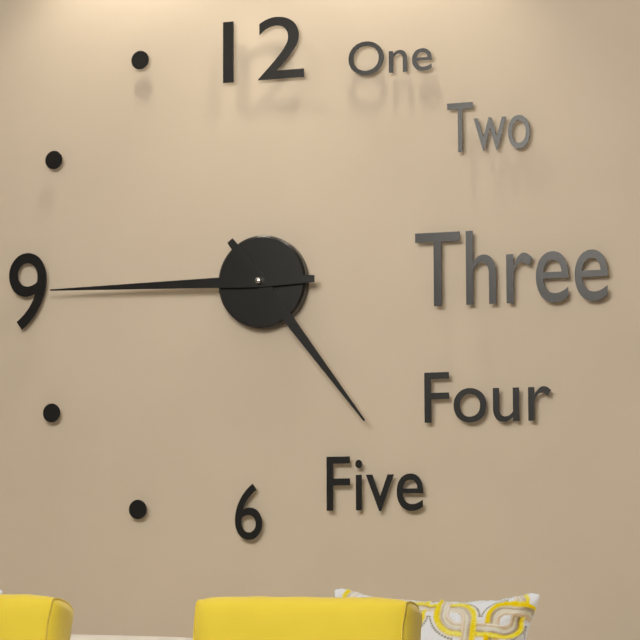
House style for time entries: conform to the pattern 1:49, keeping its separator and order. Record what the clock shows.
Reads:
4:45
